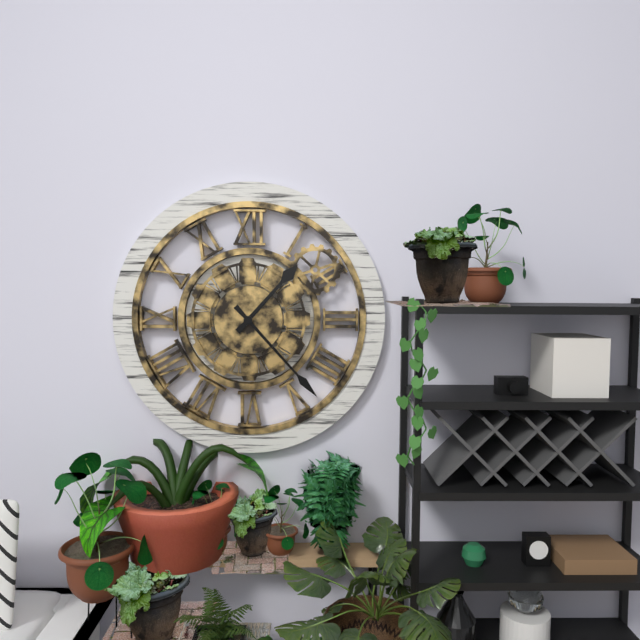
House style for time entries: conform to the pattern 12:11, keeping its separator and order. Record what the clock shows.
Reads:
1:23
